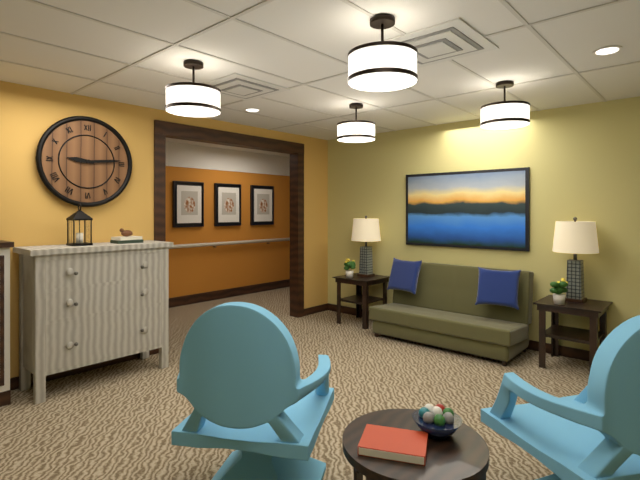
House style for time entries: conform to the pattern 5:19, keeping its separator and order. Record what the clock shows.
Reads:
9:14
